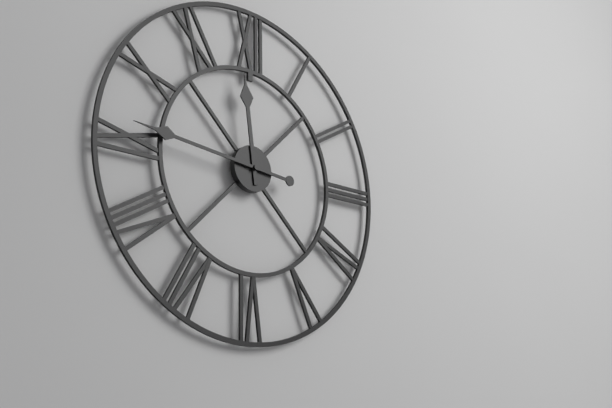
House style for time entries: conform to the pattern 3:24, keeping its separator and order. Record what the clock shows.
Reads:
11:46
